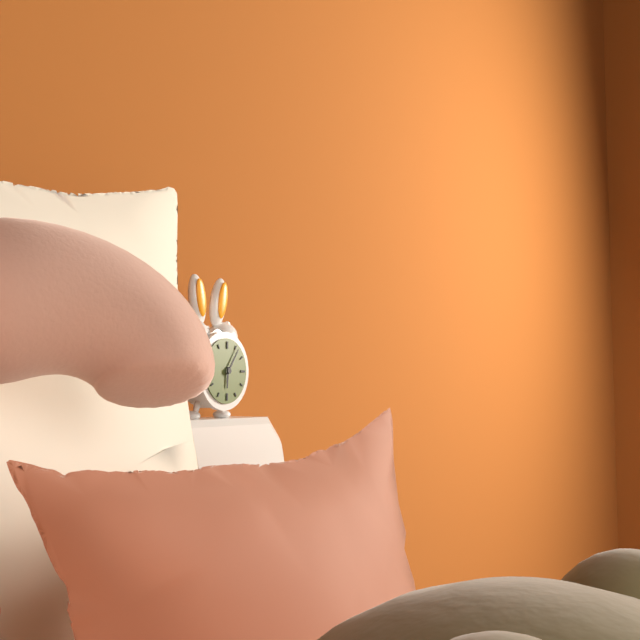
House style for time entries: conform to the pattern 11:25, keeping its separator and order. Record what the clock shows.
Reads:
6:06
